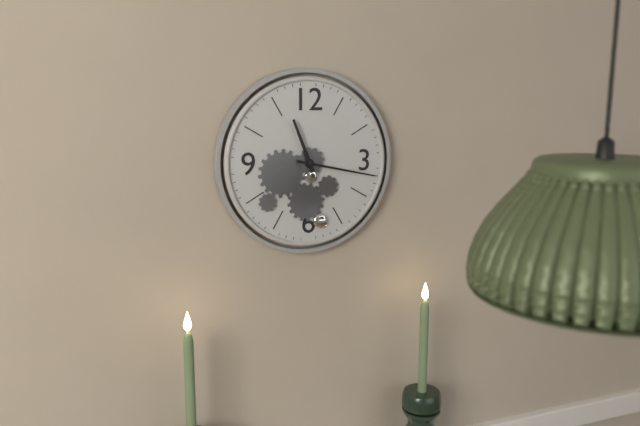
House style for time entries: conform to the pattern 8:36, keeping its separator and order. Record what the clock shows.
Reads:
11:17
